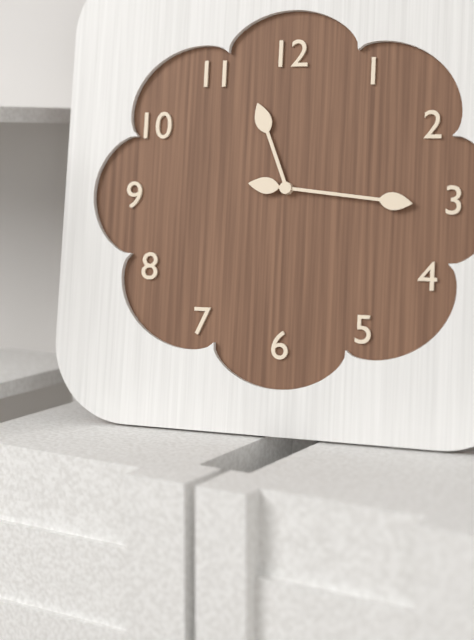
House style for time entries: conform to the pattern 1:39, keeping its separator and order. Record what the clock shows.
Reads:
11:16
